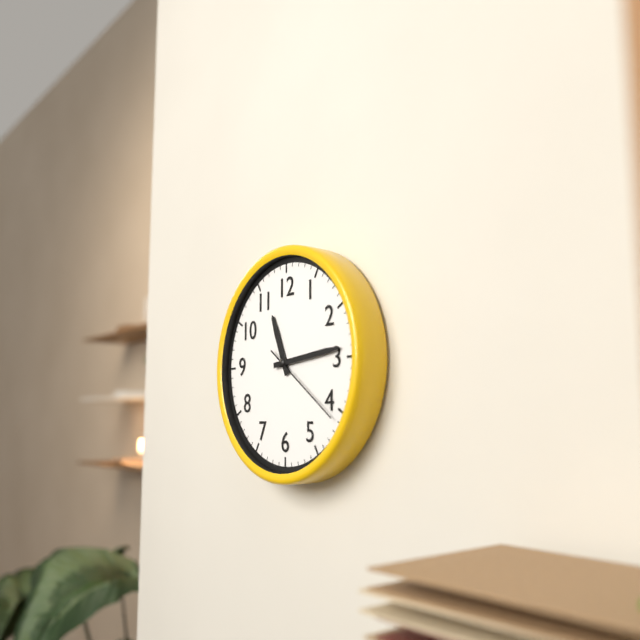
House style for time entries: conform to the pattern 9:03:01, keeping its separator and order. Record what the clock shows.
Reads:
11:14:21
